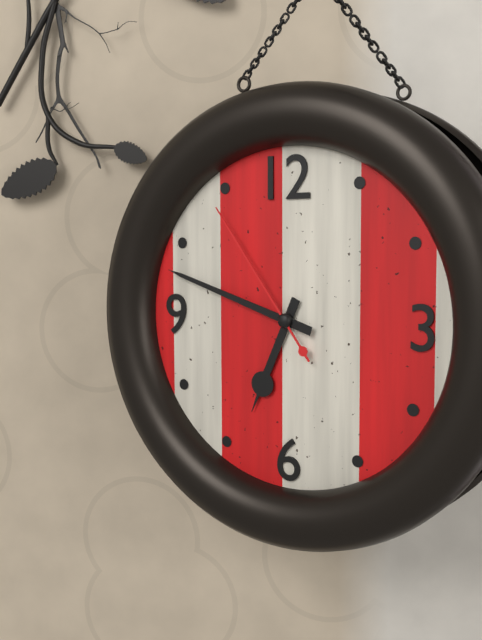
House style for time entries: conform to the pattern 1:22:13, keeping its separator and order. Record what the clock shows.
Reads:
6:48:54
